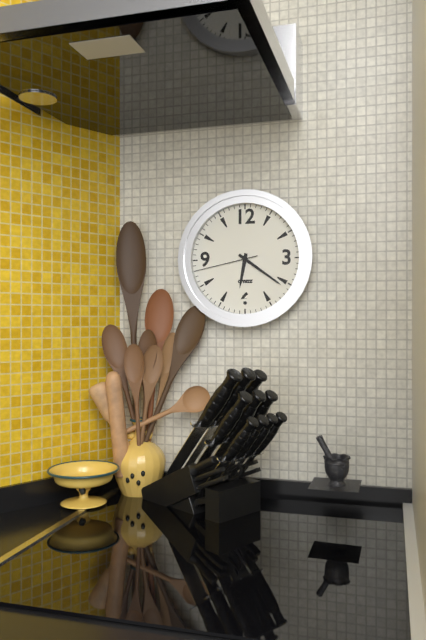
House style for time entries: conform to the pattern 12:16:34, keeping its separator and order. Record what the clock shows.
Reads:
6:21:43
